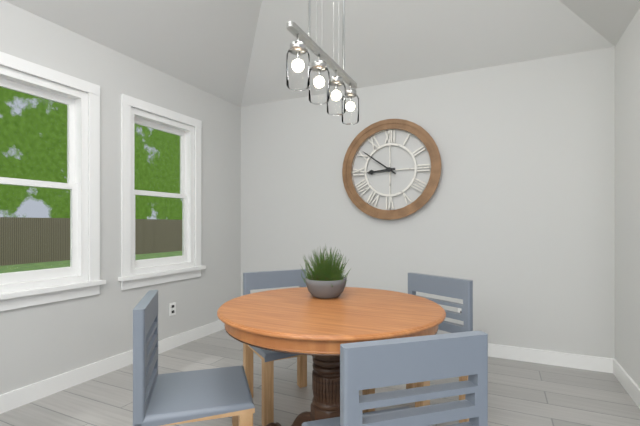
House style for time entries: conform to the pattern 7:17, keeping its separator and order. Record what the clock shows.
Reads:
8:51
